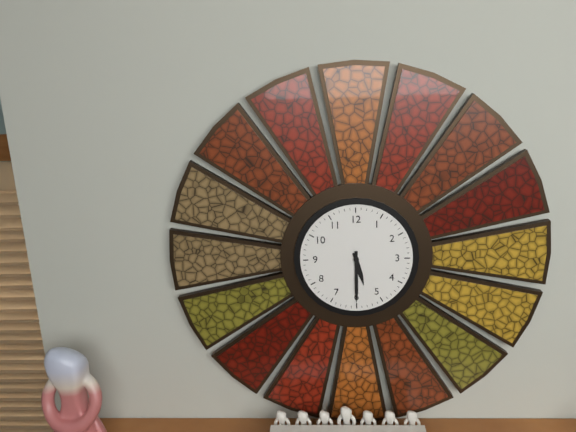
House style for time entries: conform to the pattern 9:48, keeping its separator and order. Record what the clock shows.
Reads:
5:30
